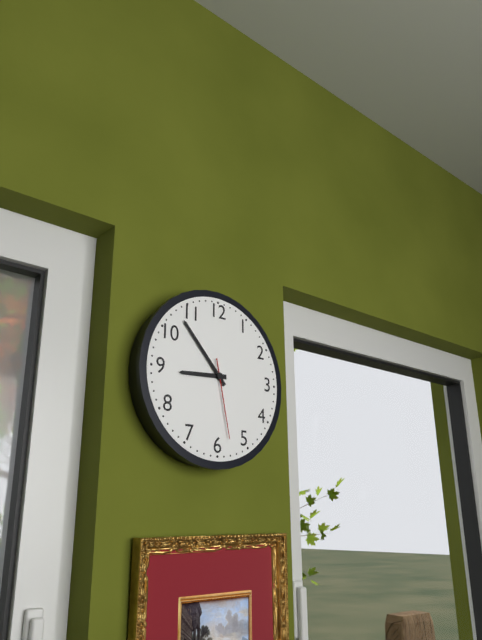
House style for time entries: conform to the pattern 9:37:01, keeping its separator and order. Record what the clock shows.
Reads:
8:53:28
